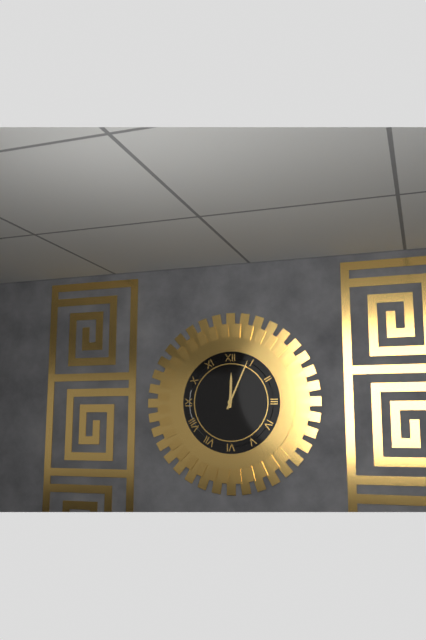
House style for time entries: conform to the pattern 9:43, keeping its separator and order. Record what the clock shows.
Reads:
12:04
